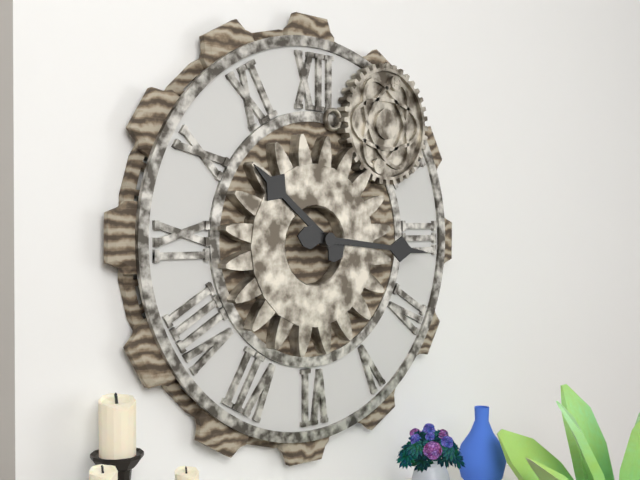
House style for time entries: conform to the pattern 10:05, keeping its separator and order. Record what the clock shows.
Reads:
10:16
